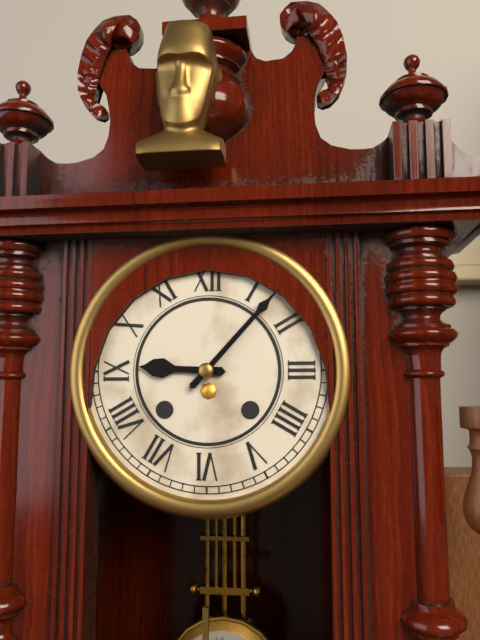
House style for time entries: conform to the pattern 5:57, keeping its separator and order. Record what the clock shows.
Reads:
9:07
